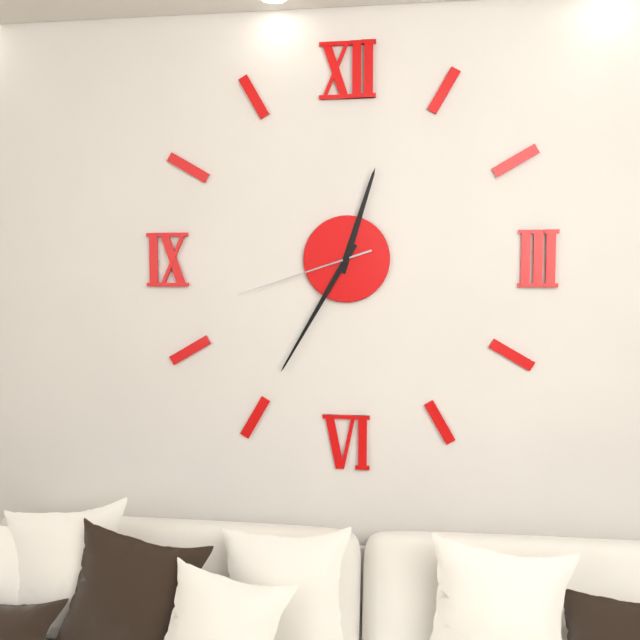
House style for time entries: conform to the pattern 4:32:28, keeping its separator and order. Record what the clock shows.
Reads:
12:35:42
